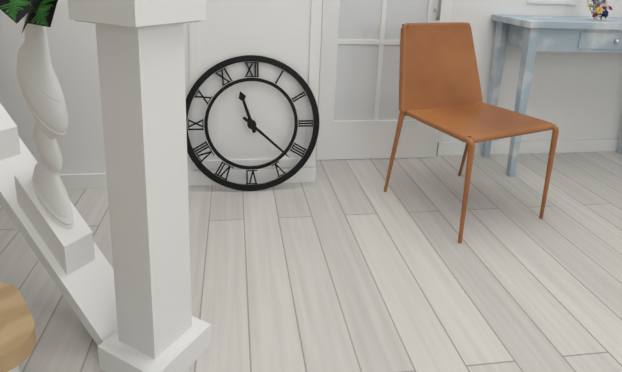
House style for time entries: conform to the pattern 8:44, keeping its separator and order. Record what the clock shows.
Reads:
11:22
